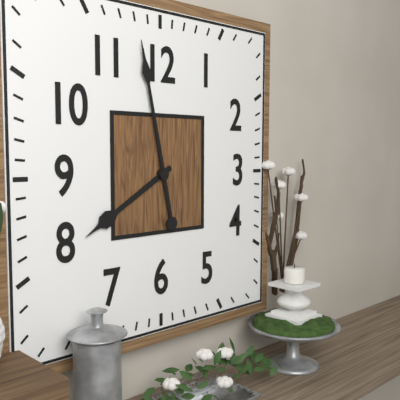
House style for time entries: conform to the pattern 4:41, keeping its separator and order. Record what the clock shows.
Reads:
7:58
